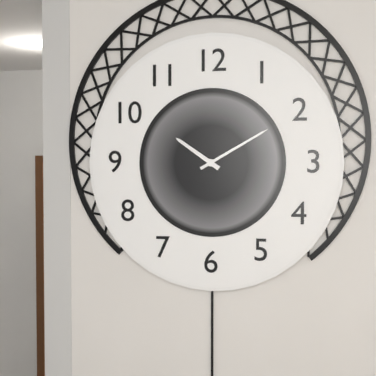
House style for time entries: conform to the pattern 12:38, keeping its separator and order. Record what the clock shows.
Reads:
10:10
